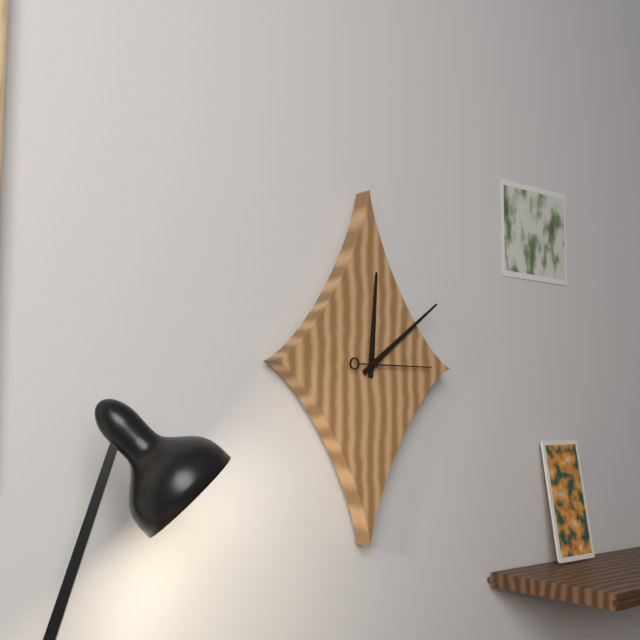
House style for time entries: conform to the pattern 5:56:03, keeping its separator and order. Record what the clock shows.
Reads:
12:09:15
